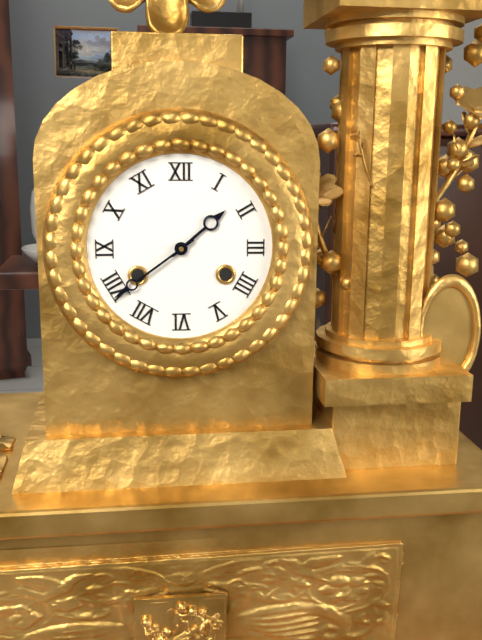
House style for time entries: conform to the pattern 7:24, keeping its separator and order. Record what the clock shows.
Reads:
1:39
